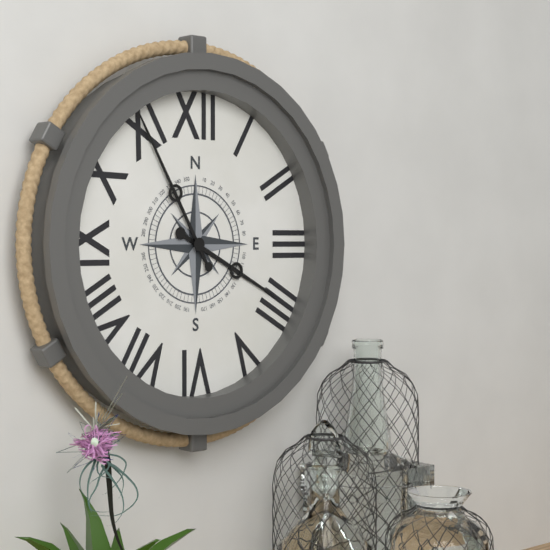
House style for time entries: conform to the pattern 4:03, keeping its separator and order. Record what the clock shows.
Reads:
3:55
